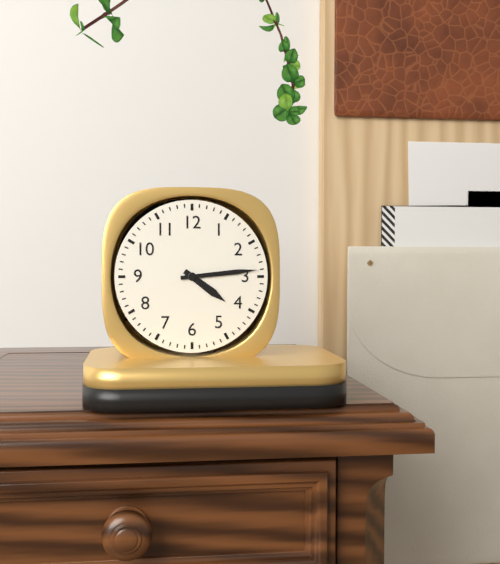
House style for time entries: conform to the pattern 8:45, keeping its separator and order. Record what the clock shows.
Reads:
4:14
